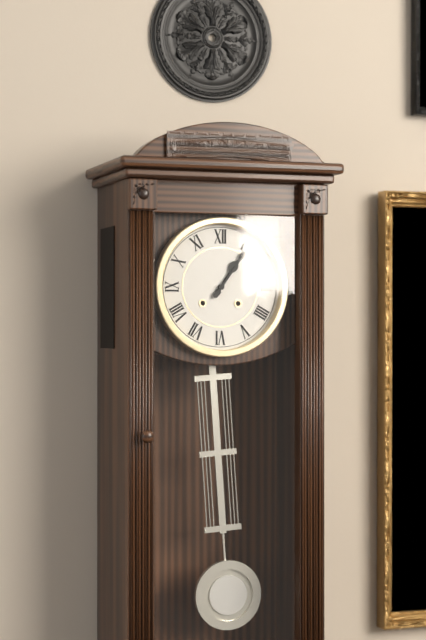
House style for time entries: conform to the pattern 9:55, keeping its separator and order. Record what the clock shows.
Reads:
1:06
